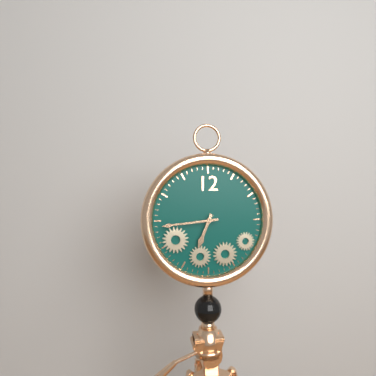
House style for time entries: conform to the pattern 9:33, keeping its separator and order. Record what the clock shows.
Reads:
6:44
